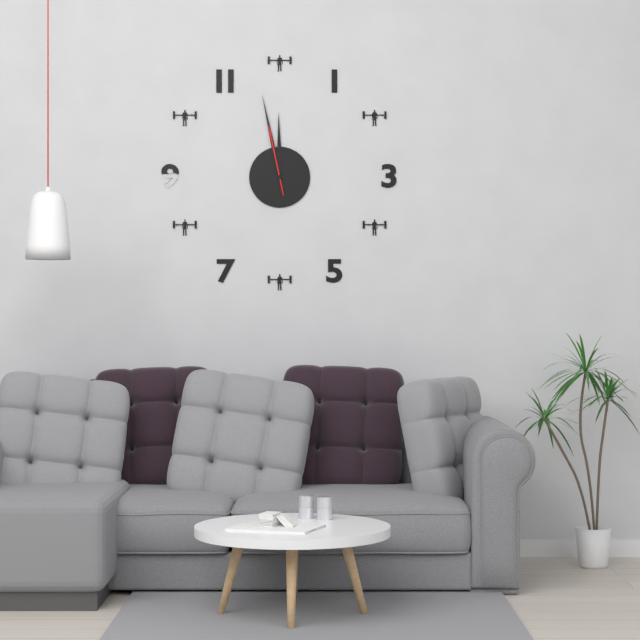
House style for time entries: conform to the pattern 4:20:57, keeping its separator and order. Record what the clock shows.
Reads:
11:58:58
